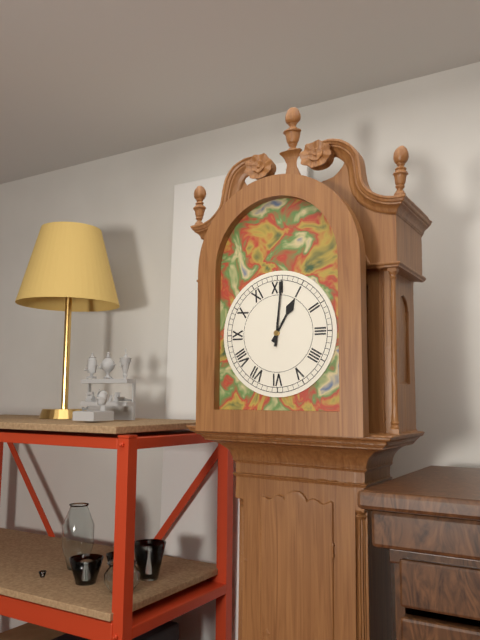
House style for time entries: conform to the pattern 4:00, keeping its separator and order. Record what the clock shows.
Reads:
1:01
